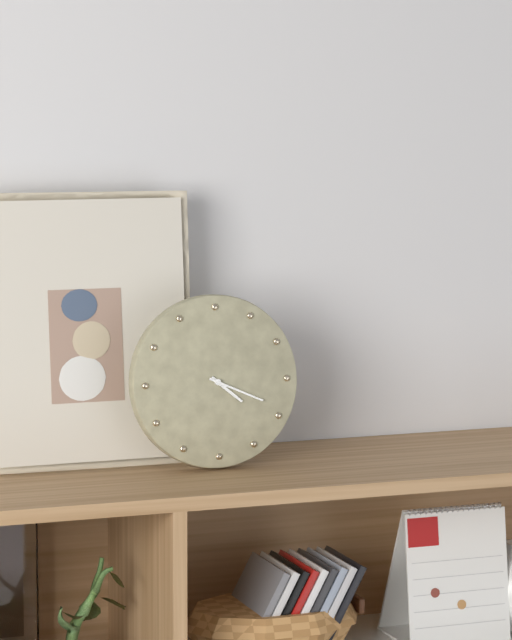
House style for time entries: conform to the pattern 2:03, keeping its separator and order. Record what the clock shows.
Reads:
4:19
